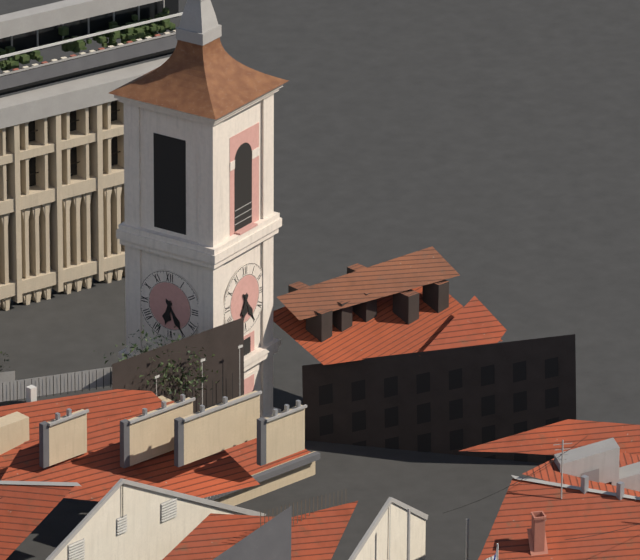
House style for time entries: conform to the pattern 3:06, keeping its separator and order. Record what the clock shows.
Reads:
6:25
